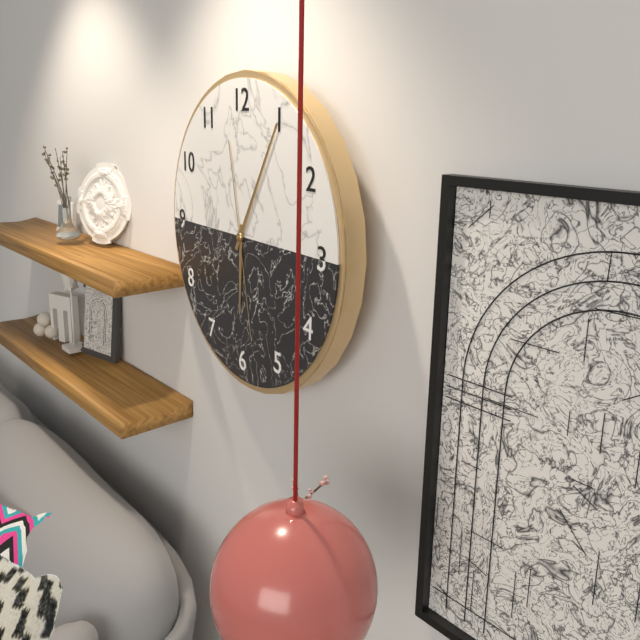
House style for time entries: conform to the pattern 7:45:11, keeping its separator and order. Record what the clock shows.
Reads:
6:05:28
